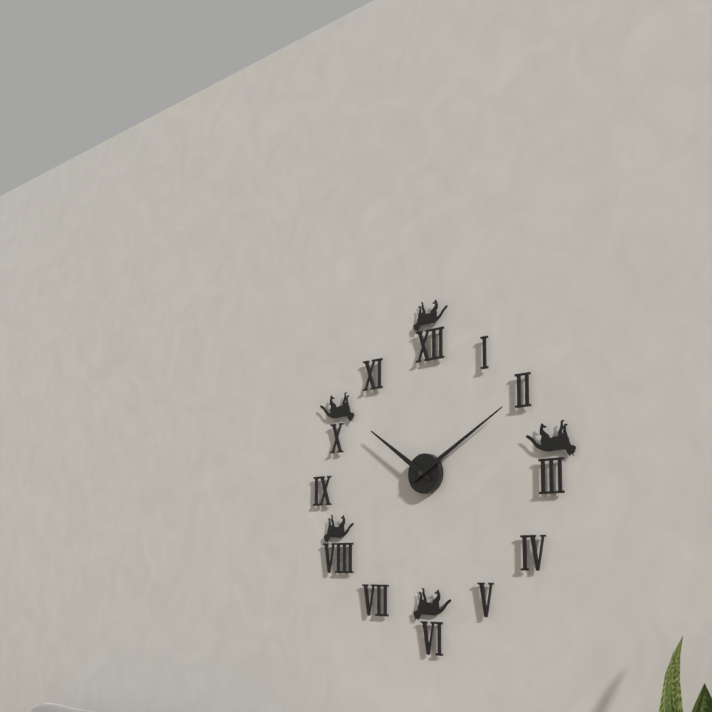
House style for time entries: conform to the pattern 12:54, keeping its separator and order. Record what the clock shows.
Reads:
10:10
